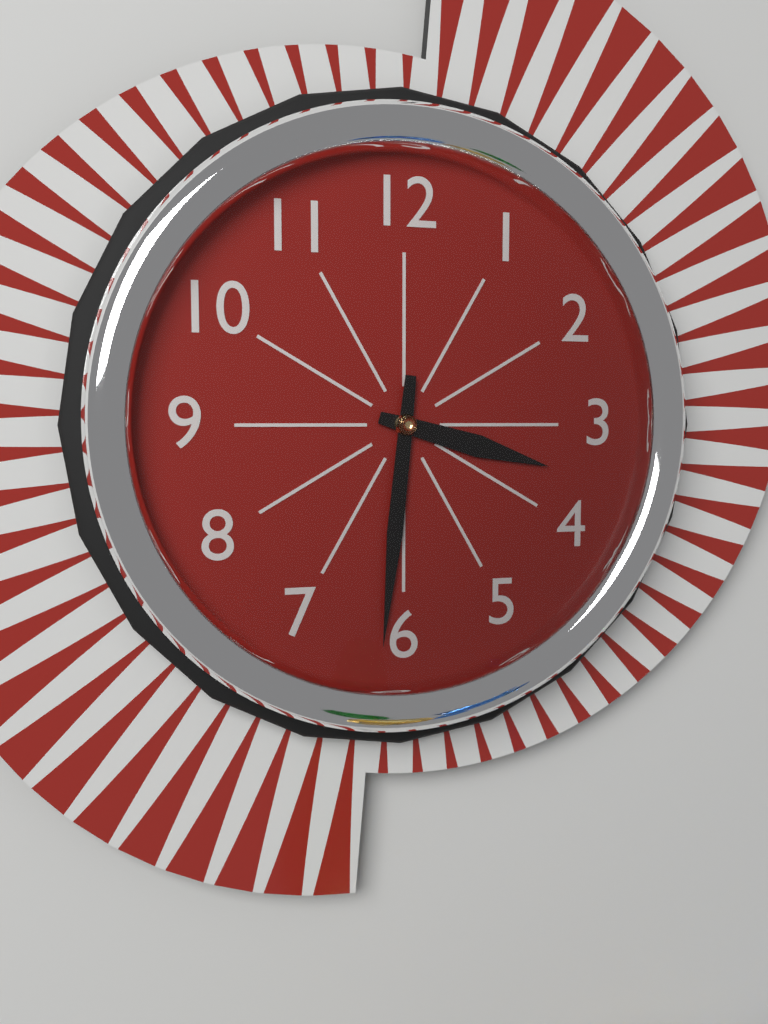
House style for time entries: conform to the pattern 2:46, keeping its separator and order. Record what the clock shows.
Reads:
3:31
